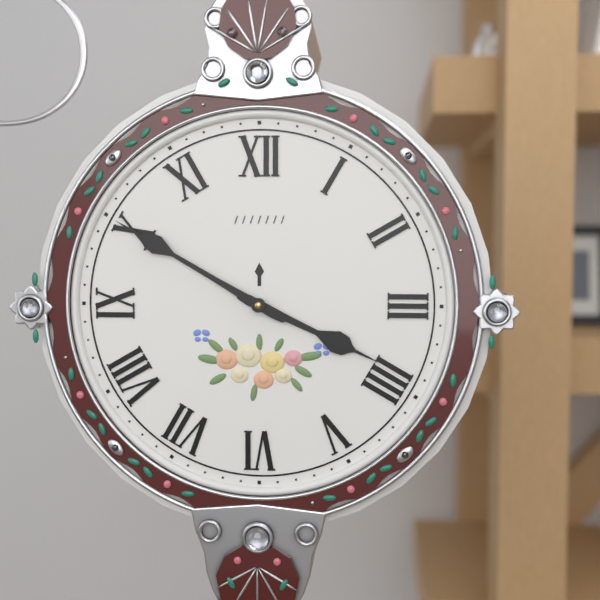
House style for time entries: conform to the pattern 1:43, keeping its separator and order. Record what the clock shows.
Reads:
3:50
